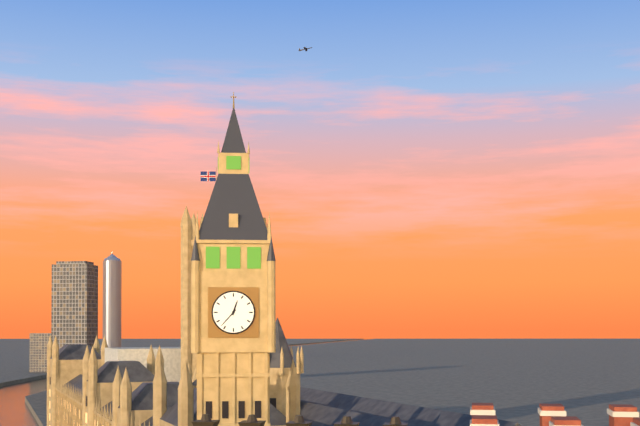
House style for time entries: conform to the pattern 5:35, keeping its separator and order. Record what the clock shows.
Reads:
12:37
